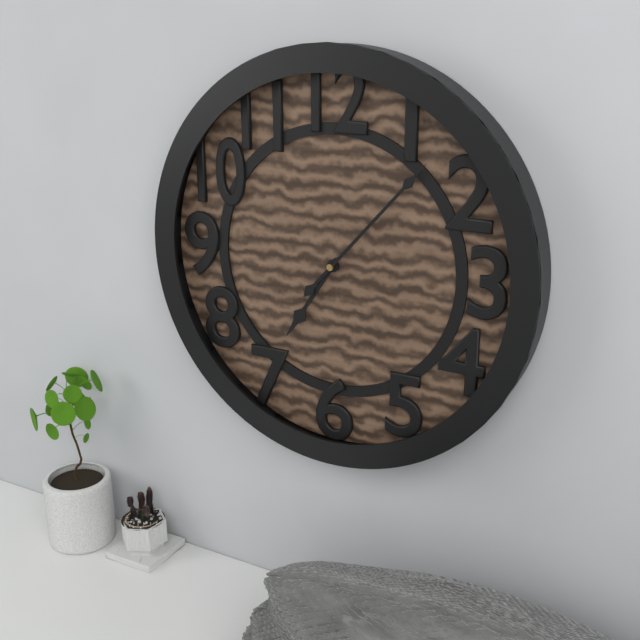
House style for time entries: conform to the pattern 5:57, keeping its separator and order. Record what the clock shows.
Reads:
7:07
